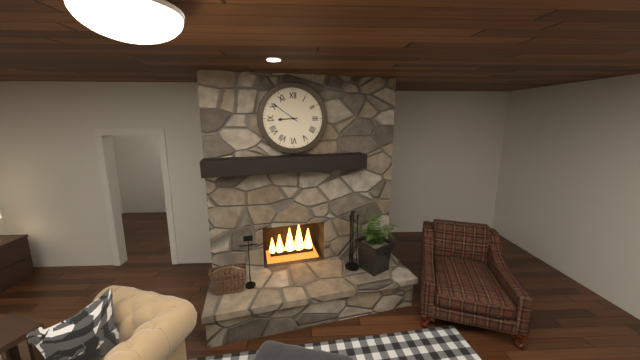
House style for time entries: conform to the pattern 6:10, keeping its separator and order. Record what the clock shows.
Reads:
8:51
